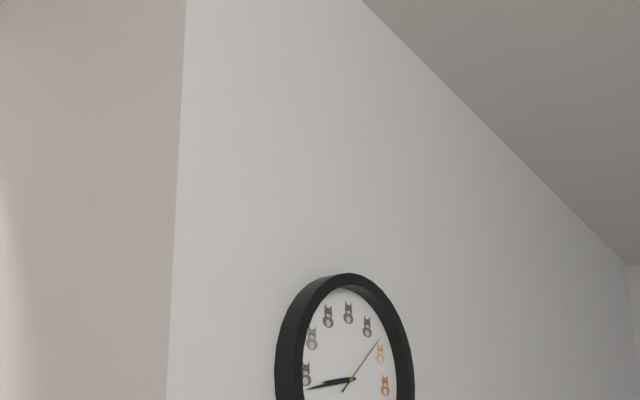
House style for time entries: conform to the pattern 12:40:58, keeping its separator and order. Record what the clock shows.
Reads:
8:43:08
